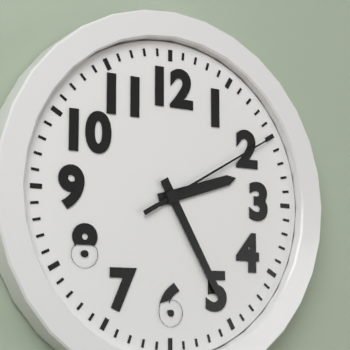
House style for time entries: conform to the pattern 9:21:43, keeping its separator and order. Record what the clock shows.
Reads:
2:25:10
